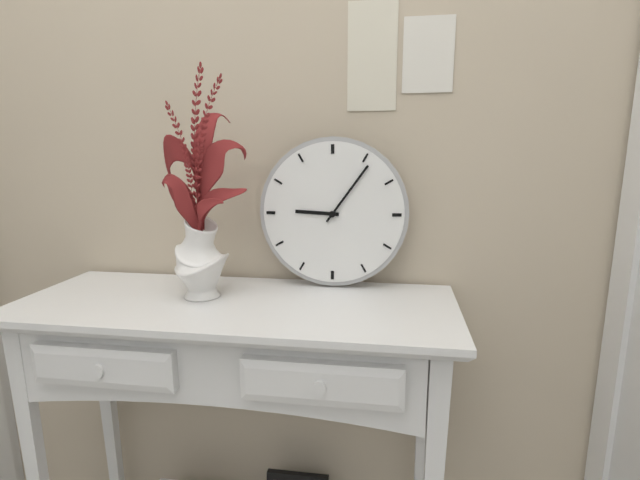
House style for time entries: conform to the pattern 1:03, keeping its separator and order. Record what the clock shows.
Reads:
9:06
